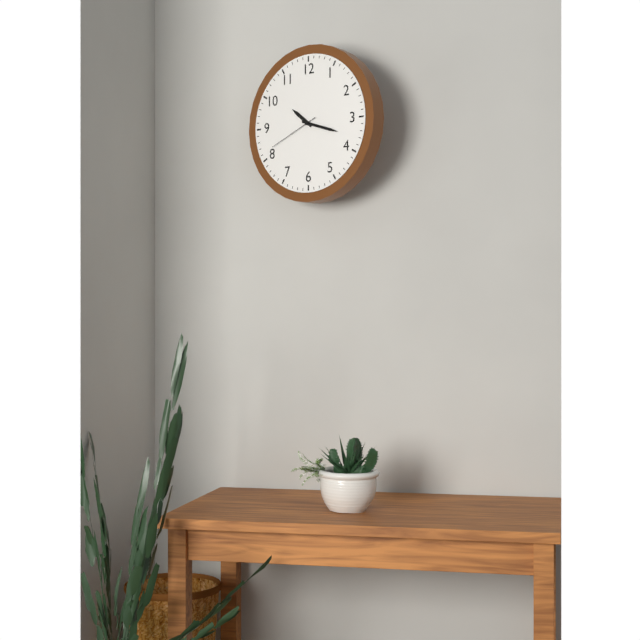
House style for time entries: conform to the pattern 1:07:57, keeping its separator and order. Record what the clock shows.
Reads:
10:18:41
